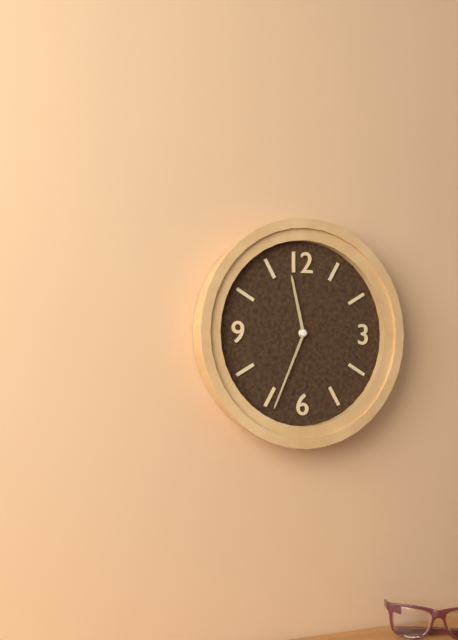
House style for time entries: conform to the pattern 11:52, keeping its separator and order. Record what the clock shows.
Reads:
11:34
